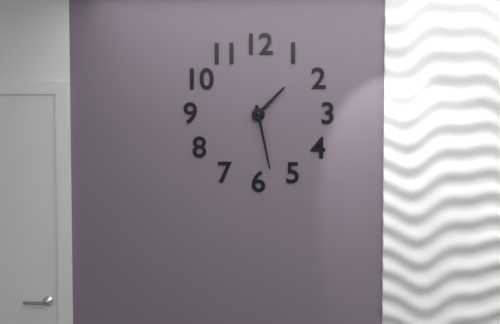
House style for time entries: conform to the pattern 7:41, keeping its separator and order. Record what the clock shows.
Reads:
1:28
